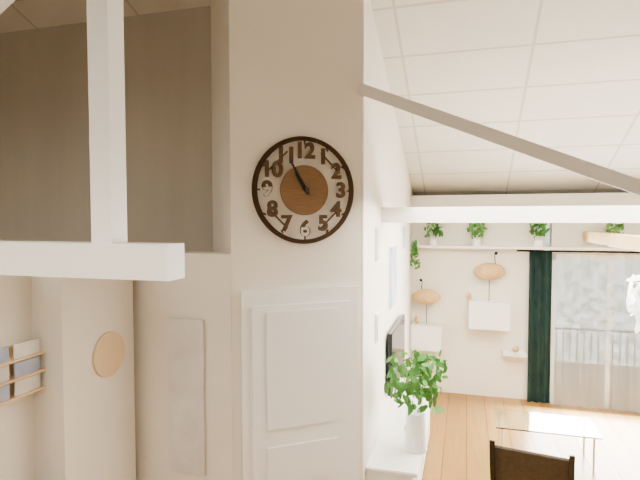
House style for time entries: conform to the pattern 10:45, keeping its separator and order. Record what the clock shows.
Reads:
10:55
